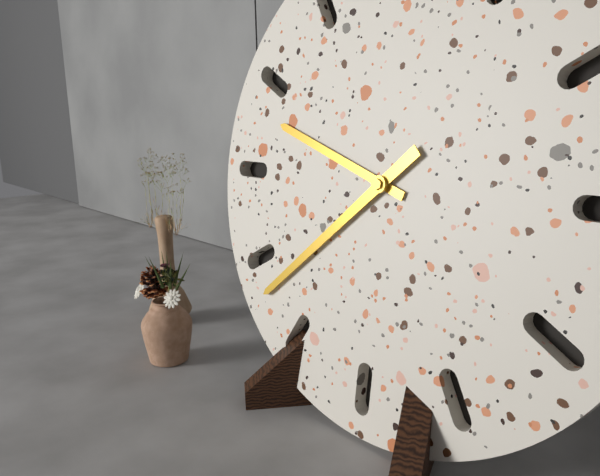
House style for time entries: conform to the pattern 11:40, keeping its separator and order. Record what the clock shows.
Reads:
9:38
